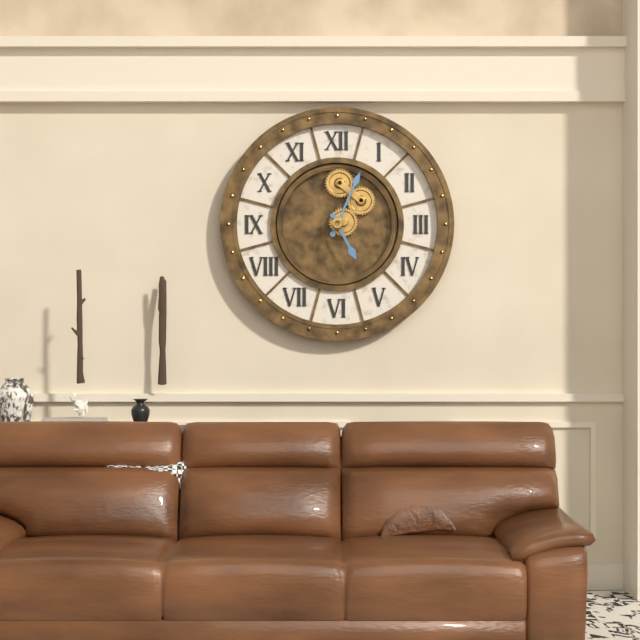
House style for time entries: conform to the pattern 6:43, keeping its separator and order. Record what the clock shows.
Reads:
5:04
